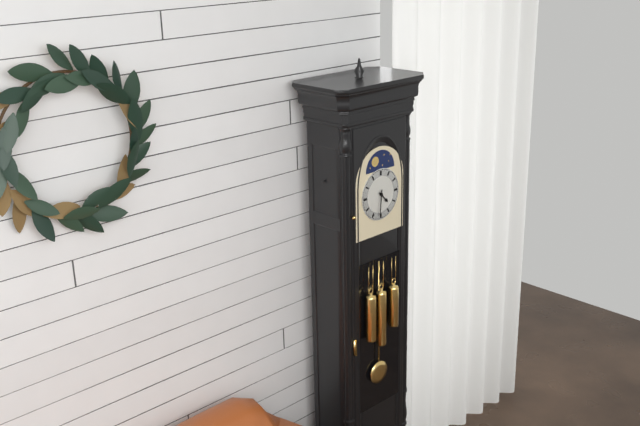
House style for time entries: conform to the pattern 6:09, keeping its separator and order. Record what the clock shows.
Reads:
4:31
